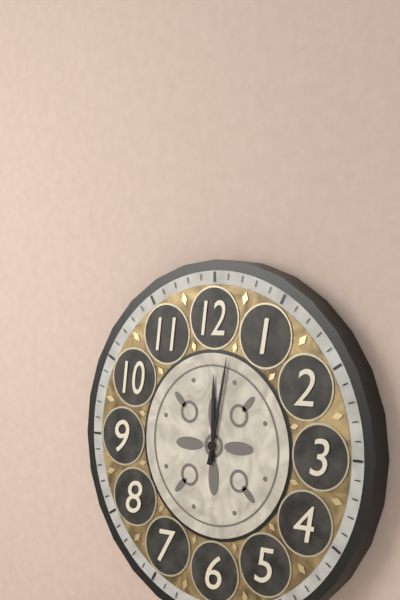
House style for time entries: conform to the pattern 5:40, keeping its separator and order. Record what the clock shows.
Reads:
12:02
